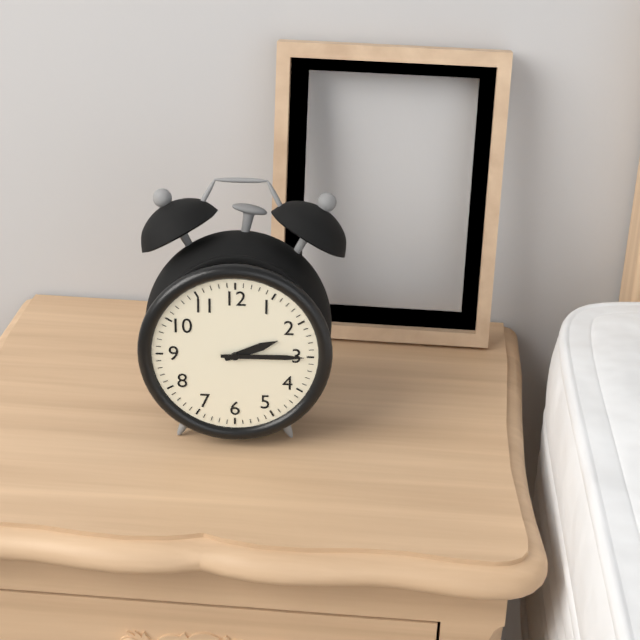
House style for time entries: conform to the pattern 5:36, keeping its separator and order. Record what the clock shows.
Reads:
2:15
